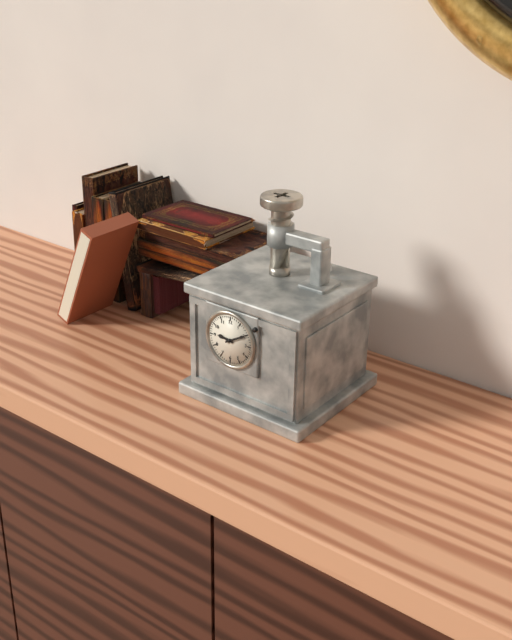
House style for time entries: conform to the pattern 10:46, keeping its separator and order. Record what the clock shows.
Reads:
9:10
